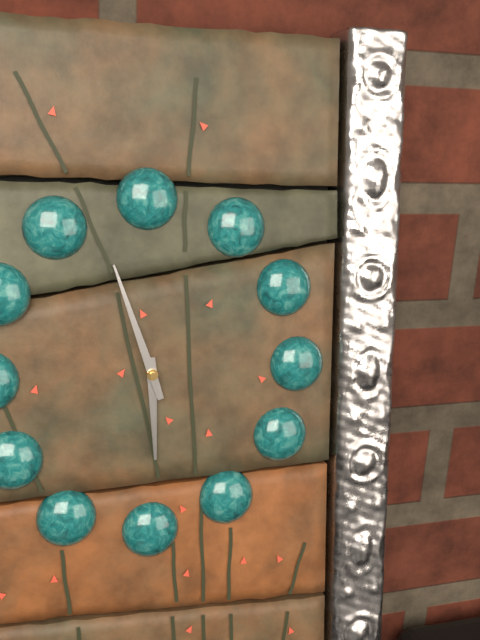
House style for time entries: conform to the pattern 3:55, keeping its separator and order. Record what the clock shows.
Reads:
5:57
